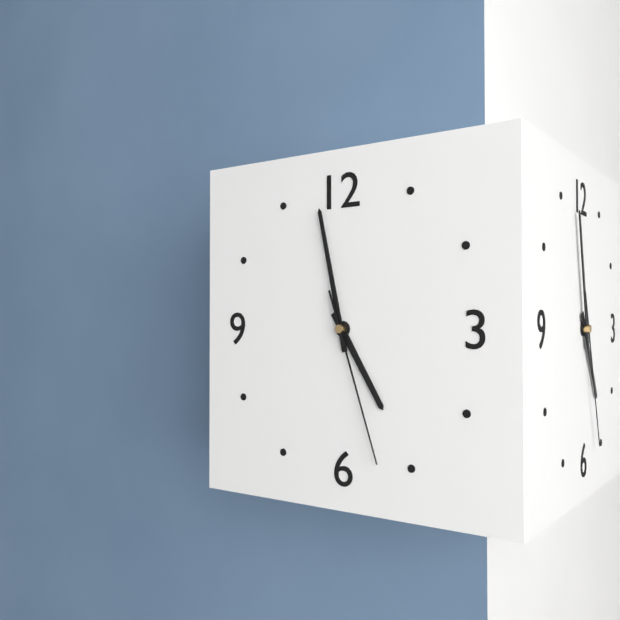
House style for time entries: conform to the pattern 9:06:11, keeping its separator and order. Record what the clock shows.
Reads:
4:58:27
